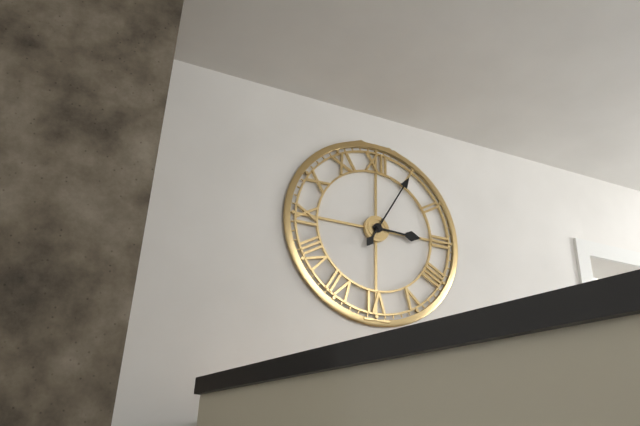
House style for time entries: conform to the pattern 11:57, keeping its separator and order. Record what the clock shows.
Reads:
3:05
